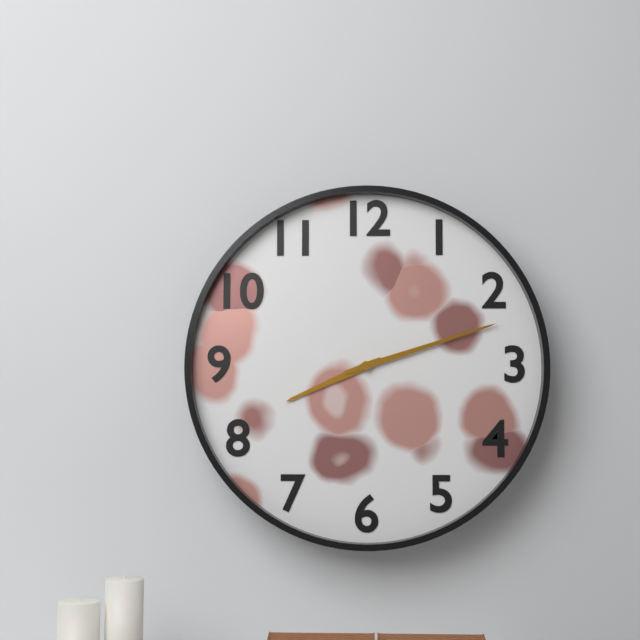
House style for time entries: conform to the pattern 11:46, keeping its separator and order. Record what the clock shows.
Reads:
8:12
